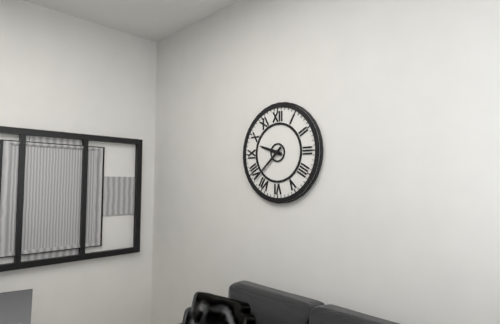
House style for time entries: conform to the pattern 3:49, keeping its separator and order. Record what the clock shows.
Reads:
9:38
